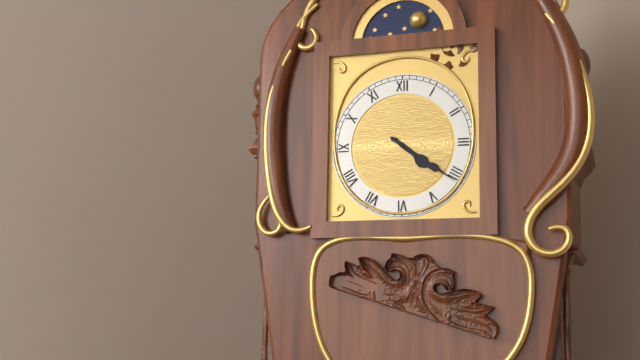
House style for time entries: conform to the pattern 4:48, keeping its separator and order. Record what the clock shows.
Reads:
4:21
